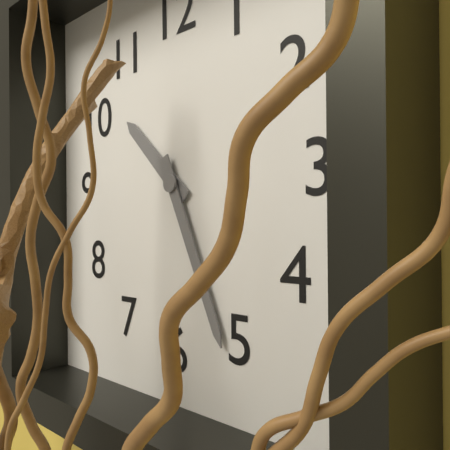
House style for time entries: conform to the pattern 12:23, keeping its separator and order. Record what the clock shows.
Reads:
10:26
